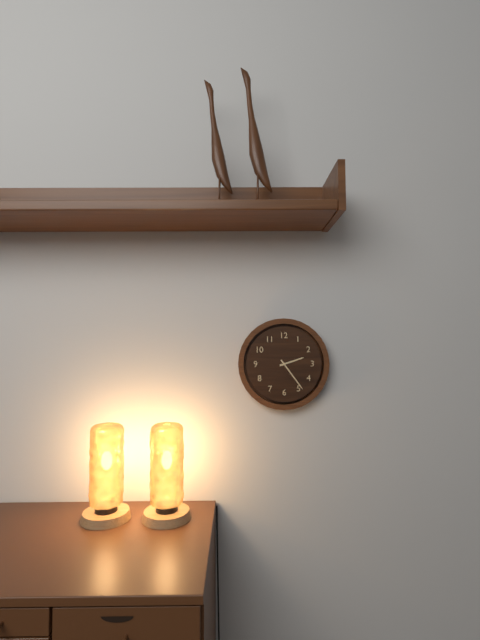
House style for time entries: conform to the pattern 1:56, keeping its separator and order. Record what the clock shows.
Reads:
2:24
